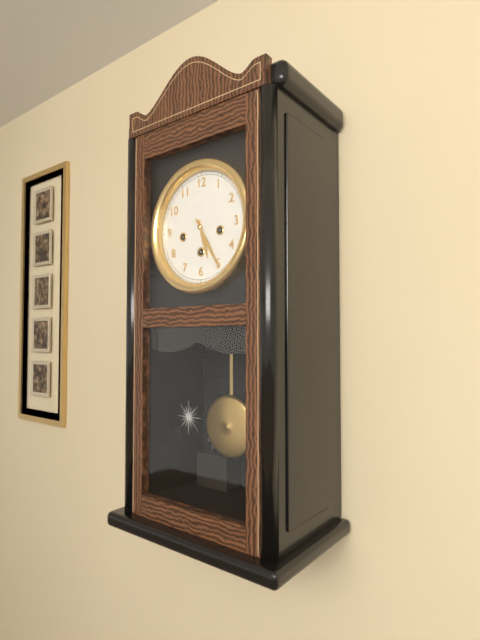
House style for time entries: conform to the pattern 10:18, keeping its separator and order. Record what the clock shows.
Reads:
5:25
